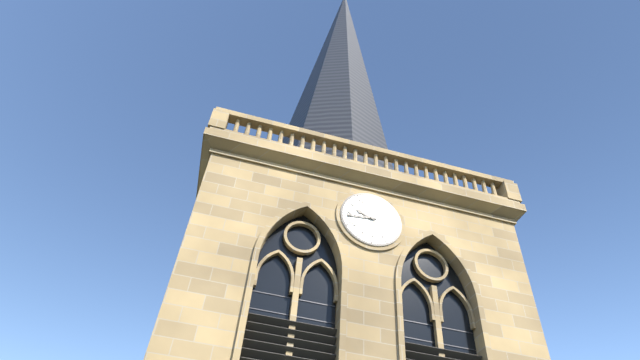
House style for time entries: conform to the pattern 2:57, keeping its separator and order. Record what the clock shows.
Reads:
9:44
